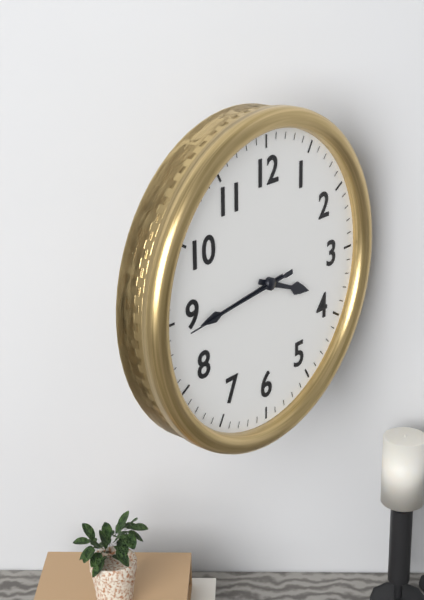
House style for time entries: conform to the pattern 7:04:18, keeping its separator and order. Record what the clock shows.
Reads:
3:44:44
